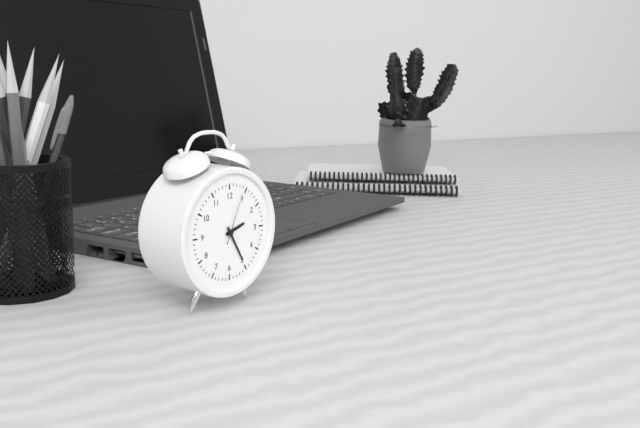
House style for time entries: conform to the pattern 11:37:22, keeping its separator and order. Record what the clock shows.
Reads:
2:25:04
